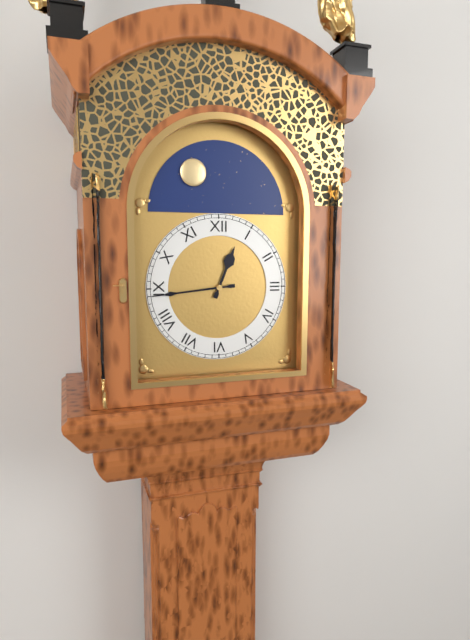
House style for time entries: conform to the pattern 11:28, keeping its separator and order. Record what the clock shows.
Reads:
12:44
